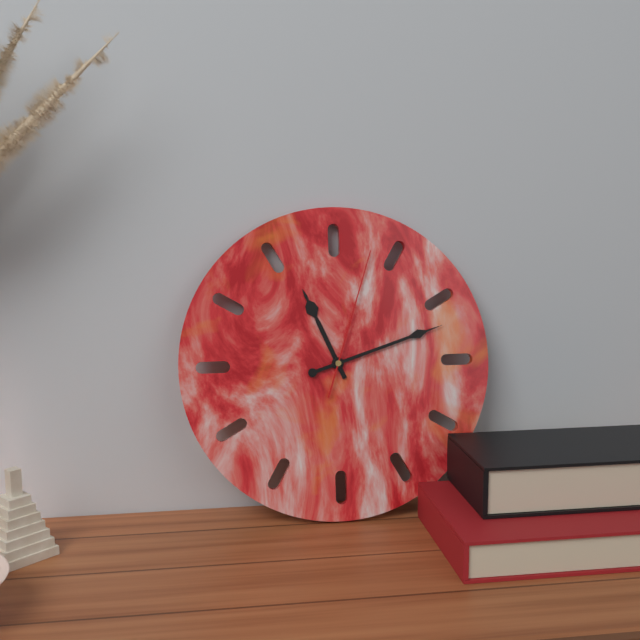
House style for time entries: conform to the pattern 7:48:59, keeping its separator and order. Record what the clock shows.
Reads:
11:12:03
